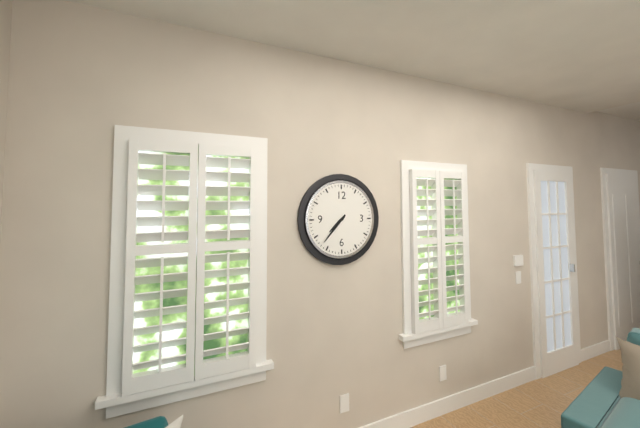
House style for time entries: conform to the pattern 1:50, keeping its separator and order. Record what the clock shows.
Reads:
7:37
